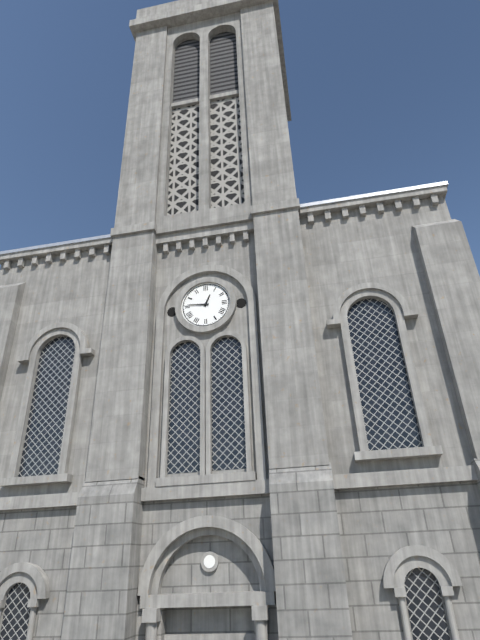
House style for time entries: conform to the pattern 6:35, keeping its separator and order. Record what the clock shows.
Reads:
12:46
